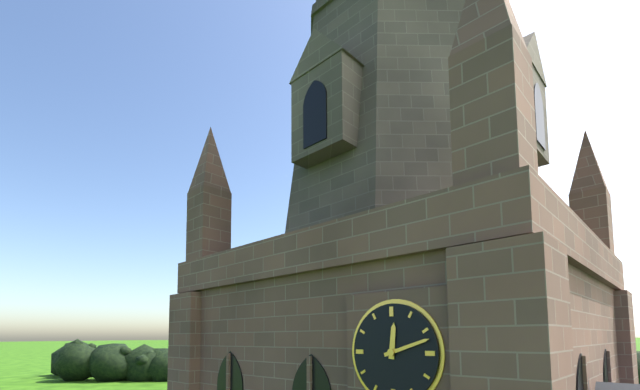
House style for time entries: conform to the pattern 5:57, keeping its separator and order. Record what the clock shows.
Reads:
12:12
